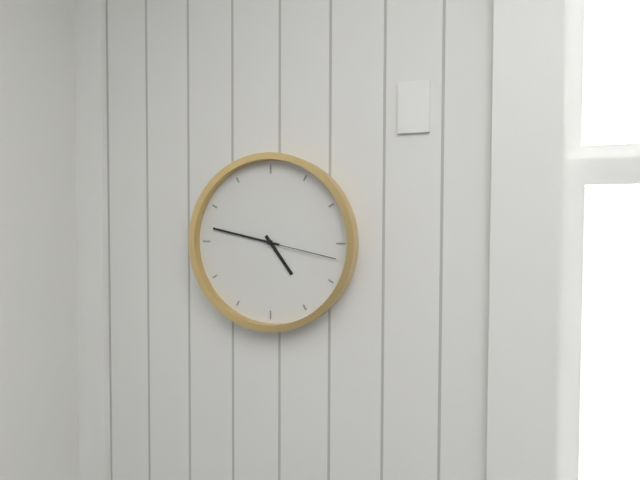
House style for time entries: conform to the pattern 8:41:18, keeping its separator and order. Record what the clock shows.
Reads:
4:47:17
